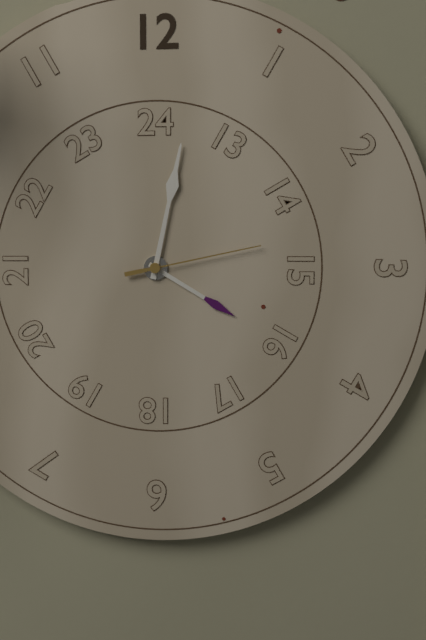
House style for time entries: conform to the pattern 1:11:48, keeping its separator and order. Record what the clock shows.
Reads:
4:02:13
